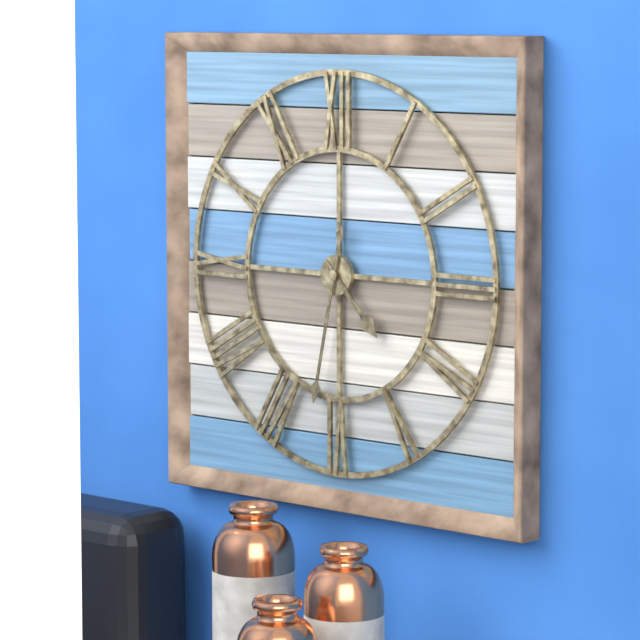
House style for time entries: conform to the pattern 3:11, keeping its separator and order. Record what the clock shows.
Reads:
4:32
